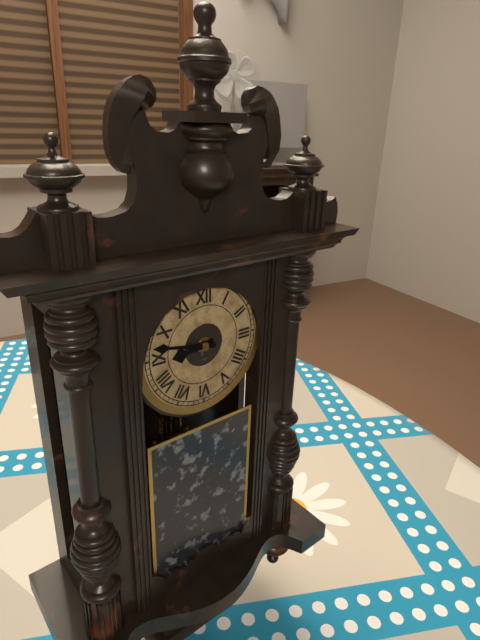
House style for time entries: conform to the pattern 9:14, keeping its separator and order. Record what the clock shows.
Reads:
8:47
